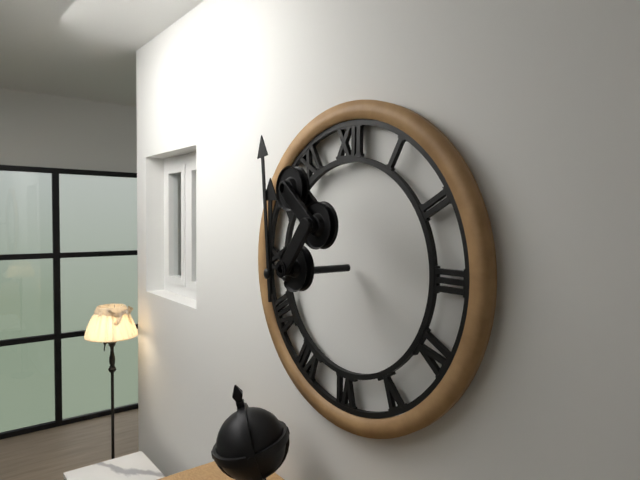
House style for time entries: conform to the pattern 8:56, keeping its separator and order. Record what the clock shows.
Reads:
11:59
